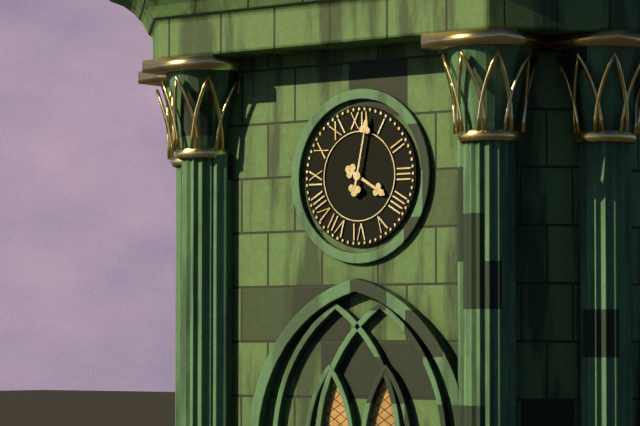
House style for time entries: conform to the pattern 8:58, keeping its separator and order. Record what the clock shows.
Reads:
4:02
